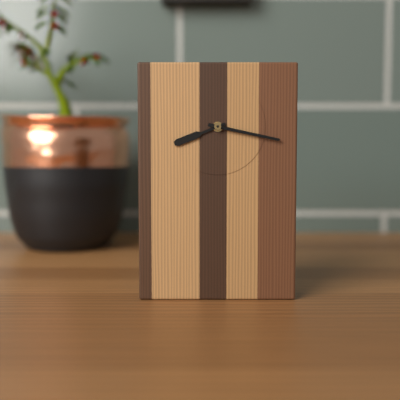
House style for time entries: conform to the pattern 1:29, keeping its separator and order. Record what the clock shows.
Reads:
8:17
